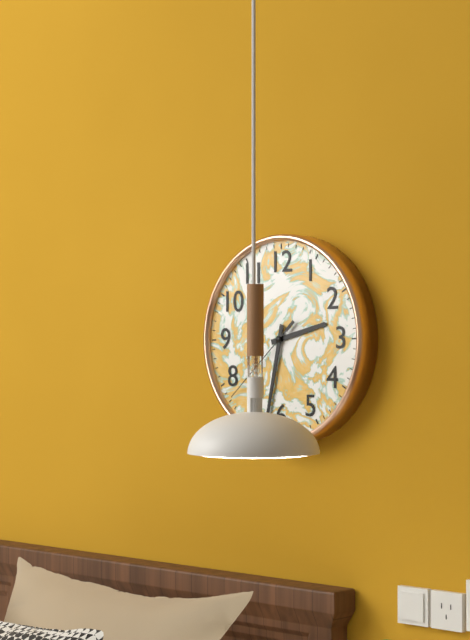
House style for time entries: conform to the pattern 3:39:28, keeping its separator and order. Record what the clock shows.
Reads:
2:32:38
